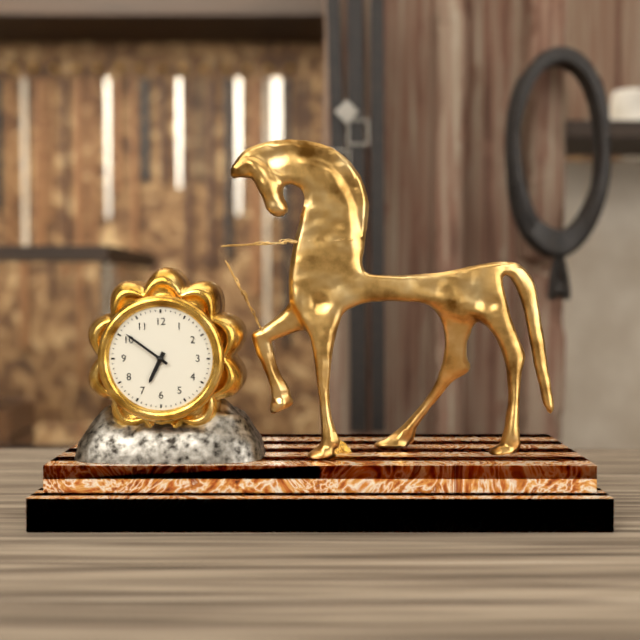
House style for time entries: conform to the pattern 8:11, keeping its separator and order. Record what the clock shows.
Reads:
6:51
